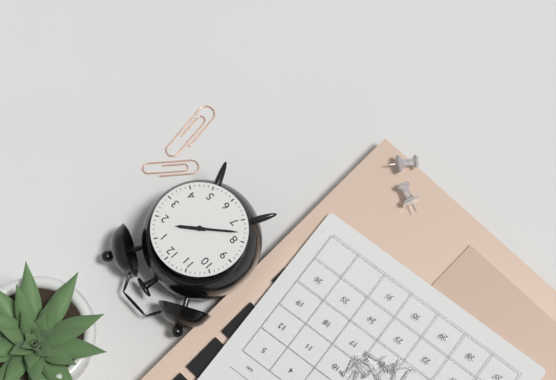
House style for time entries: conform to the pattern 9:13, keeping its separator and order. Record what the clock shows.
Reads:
1:38
